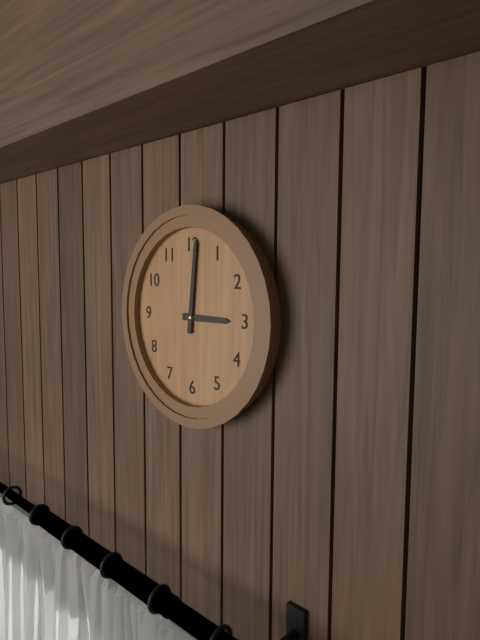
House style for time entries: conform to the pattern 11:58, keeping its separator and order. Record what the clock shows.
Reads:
3:01
